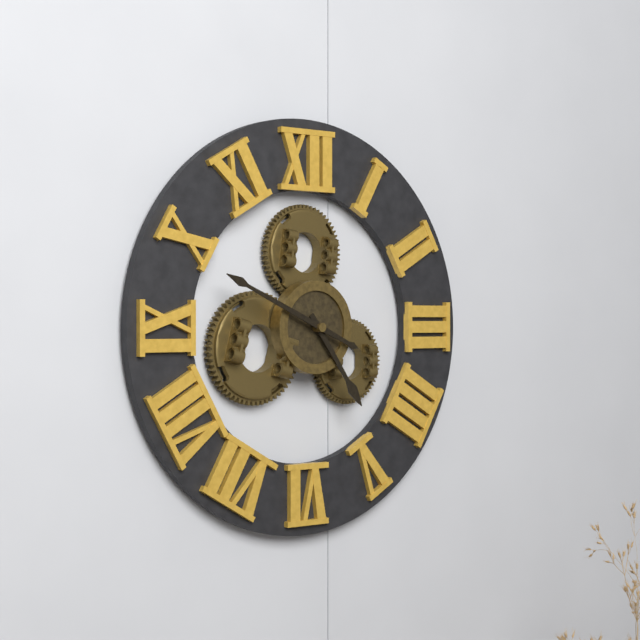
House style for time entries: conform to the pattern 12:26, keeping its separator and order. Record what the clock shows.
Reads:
4:49
